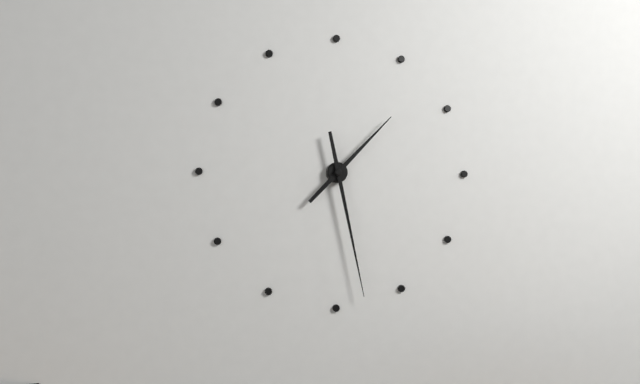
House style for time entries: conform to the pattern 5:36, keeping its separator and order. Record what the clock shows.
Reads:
1:28
